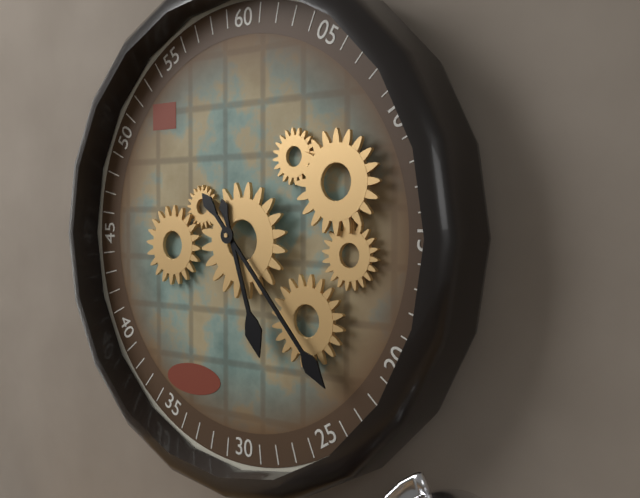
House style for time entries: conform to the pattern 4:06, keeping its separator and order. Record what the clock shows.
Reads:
5:23
